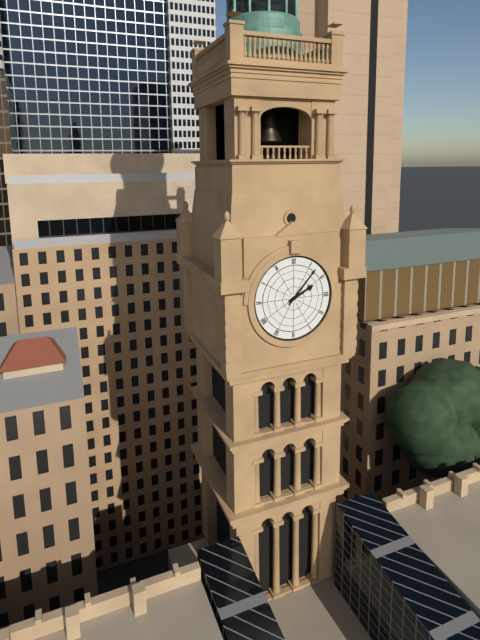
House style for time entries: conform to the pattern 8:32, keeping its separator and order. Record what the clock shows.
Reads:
2:07
